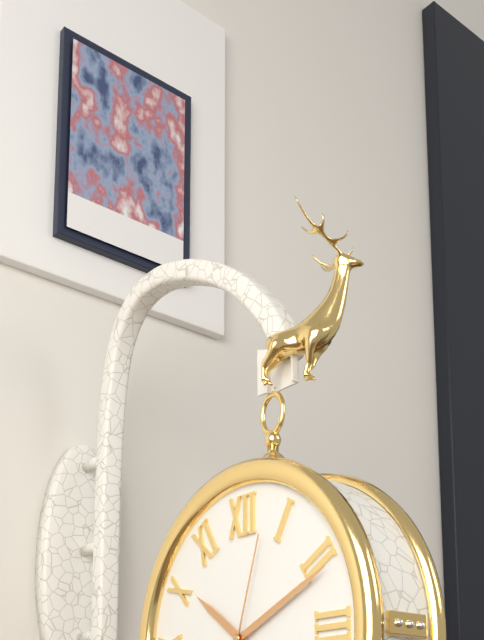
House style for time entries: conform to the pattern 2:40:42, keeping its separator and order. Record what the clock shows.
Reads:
10:11:03
